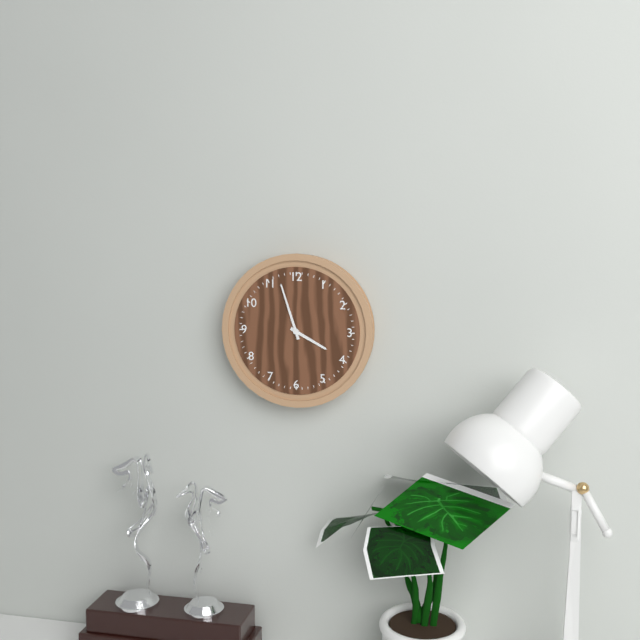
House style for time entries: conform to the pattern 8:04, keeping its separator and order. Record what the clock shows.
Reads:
3:57
